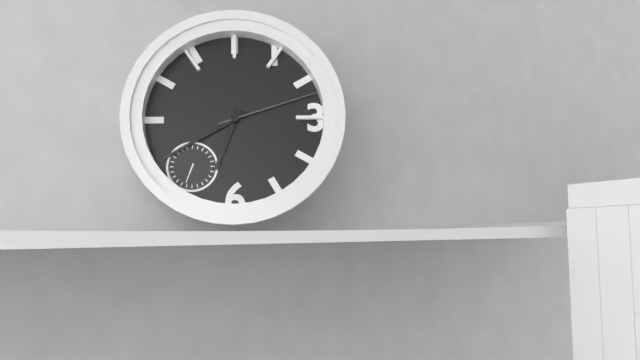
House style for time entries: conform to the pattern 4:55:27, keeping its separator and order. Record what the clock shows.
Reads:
6:40:12
